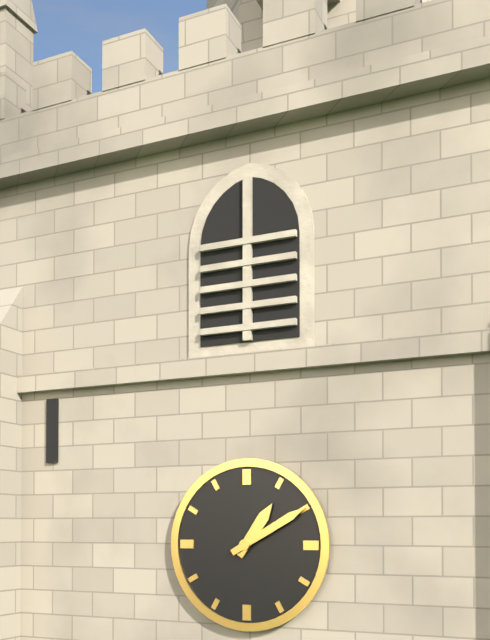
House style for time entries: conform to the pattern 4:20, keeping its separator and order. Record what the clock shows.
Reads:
1:10
